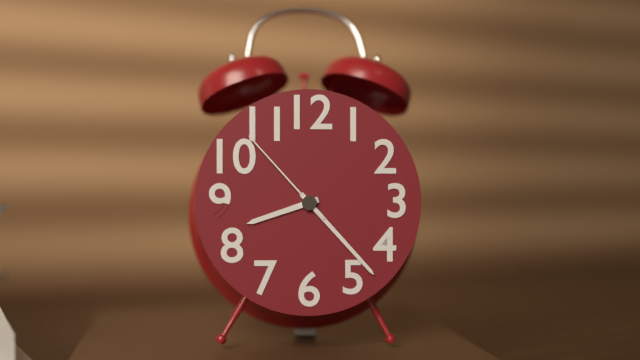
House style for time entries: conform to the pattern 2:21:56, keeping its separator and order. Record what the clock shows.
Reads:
8:23:53
